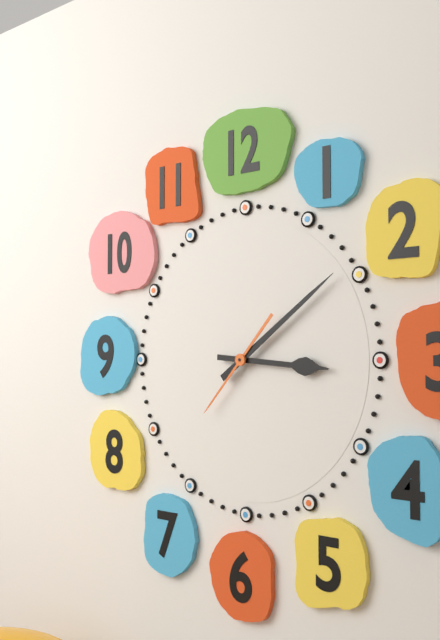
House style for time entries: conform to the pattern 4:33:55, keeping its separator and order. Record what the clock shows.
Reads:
3:09:37
